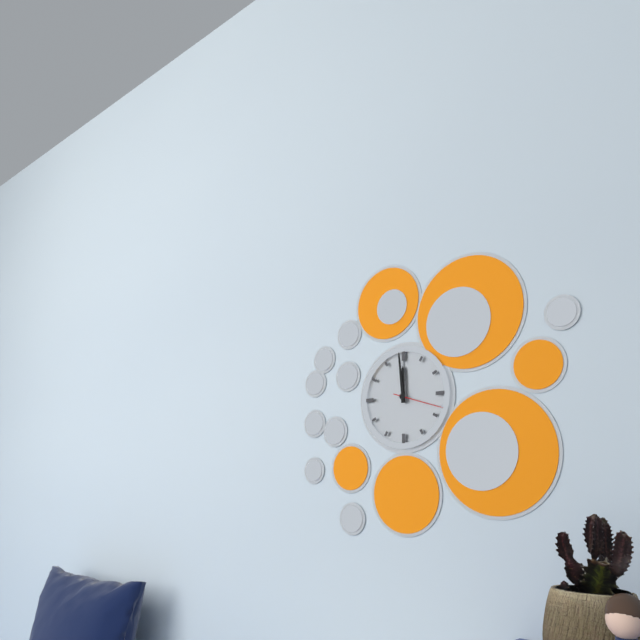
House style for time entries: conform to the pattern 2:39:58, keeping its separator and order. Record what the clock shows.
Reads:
11:59:18
